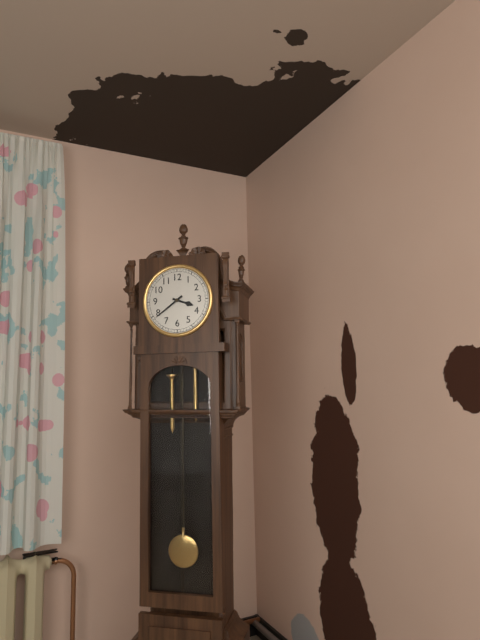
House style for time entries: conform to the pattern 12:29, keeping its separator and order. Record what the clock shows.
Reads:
3:39
